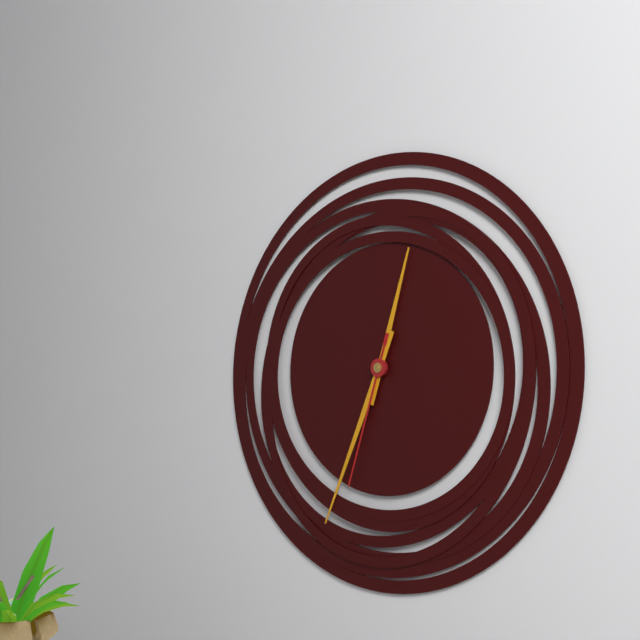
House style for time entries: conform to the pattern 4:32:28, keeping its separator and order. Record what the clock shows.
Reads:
12:34:33
